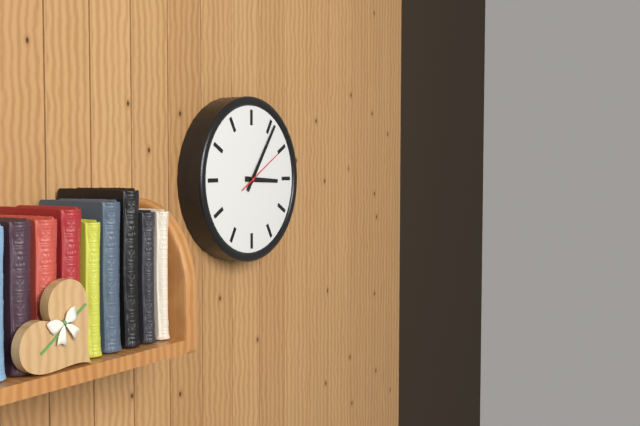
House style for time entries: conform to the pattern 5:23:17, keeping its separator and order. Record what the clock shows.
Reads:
3:06:10
